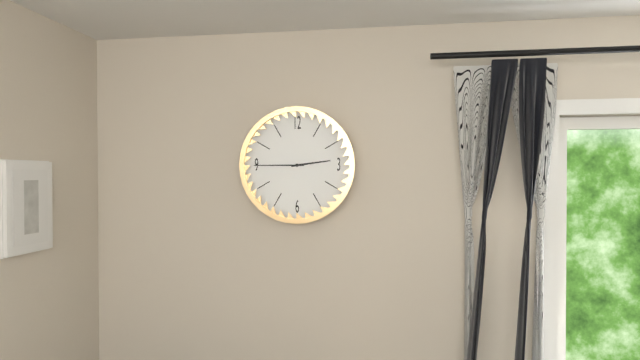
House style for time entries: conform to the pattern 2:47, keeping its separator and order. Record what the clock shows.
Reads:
2:45
